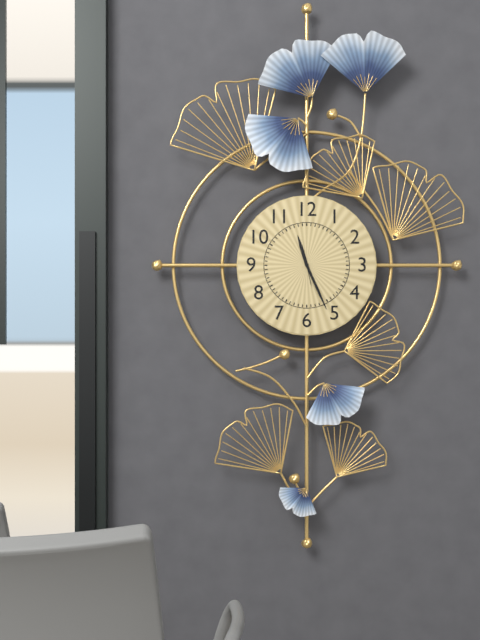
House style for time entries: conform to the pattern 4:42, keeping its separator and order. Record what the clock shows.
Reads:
11:26
